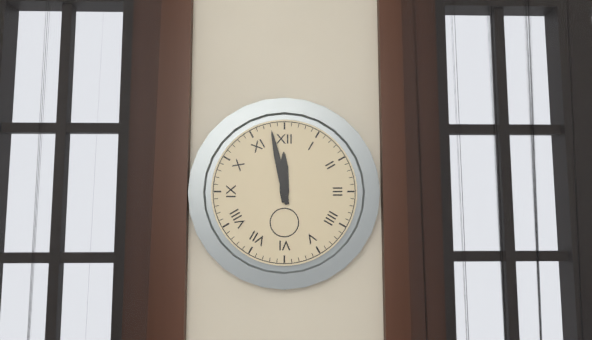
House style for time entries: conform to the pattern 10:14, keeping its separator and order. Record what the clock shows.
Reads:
11:58
